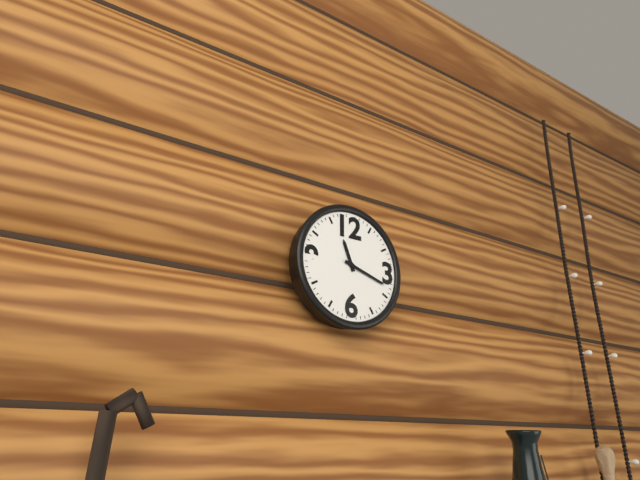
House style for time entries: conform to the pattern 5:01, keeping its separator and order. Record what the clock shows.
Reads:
11:18
